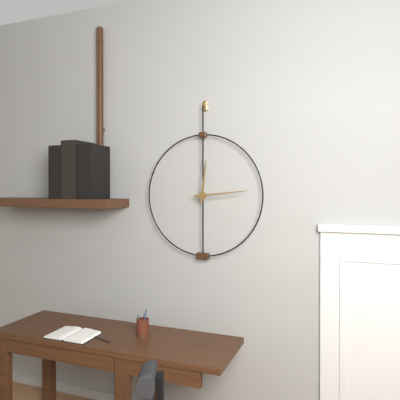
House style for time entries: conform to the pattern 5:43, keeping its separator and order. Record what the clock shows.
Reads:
12:14
